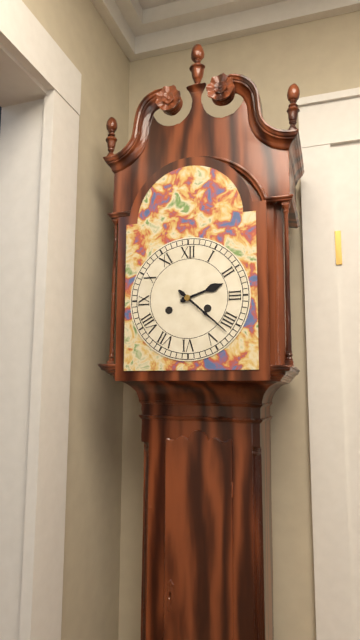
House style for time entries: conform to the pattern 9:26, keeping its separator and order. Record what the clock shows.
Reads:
2:22
